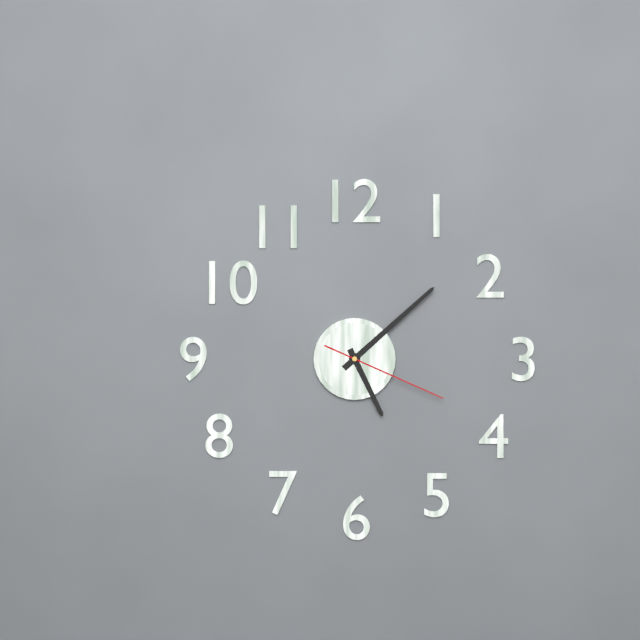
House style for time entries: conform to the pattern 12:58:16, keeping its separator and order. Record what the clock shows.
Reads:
5:08:19
